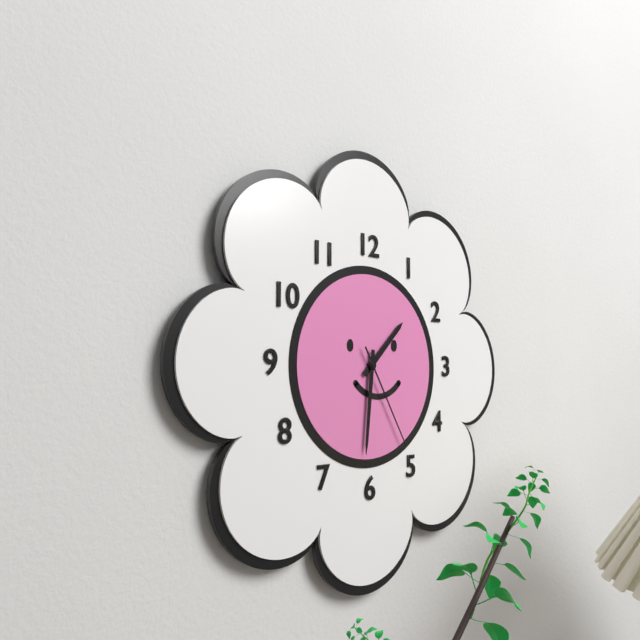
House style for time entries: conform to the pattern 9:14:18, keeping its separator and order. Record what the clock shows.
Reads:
1:31:25
